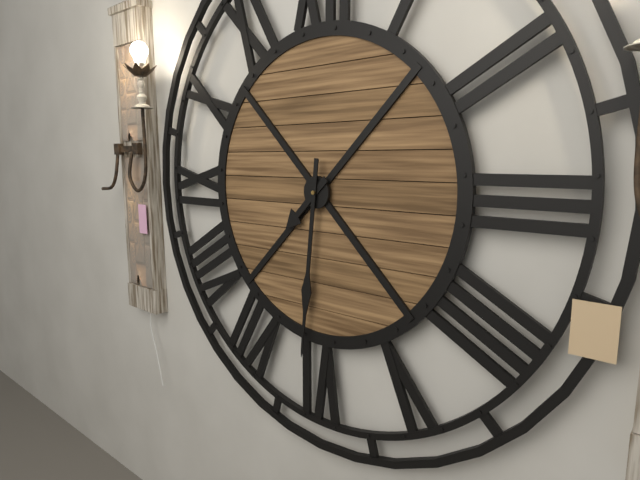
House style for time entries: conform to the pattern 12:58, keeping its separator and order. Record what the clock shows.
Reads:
7:31
